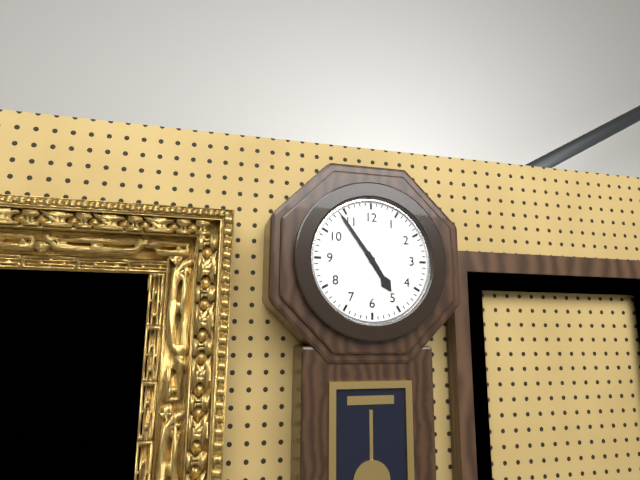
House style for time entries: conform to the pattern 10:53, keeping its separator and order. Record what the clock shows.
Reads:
4:54
